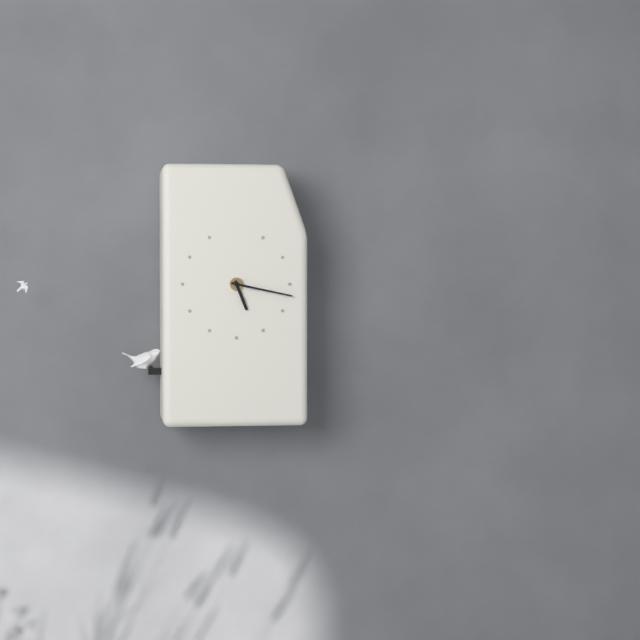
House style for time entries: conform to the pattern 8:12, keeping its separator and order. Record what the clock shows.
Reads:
5:17
